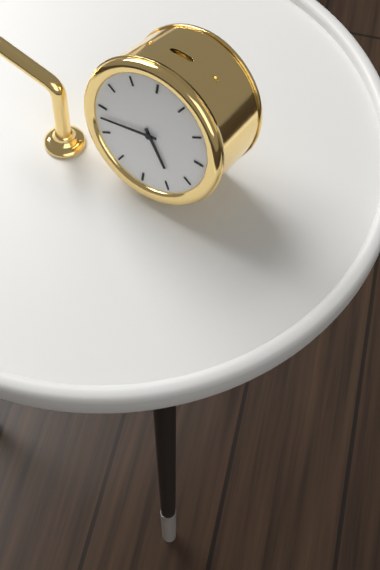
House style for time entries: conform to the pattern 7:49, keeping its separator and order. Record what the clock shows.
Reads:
4:43
